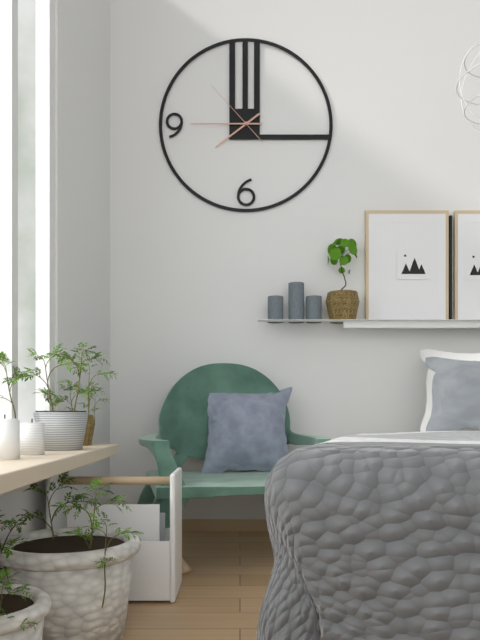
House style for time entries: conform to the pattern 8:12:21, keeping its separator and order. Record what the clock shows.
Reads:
7:45:53
